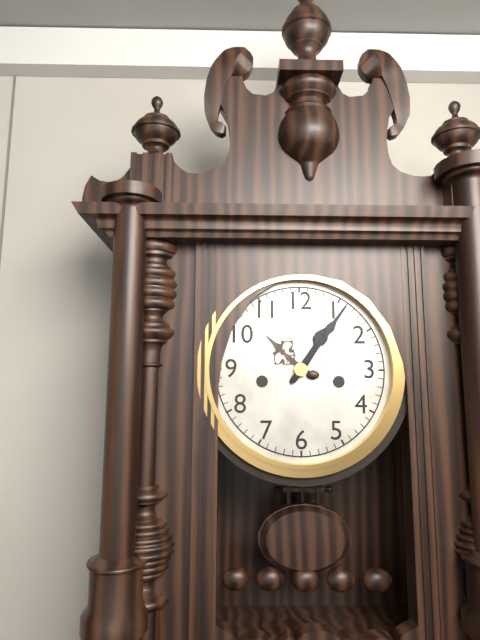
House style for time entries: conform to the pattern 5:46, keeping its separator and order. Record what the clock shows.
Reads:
1:06
